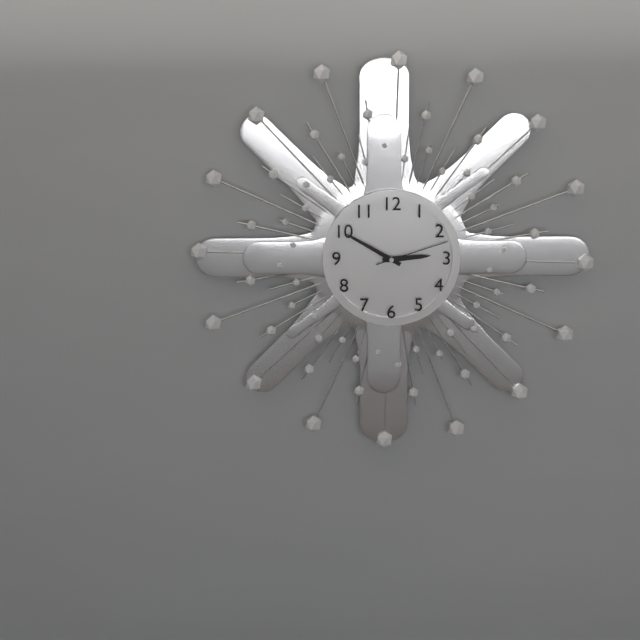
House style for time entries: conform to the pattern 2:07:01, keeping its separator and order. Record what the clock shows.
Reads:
2:50:12
